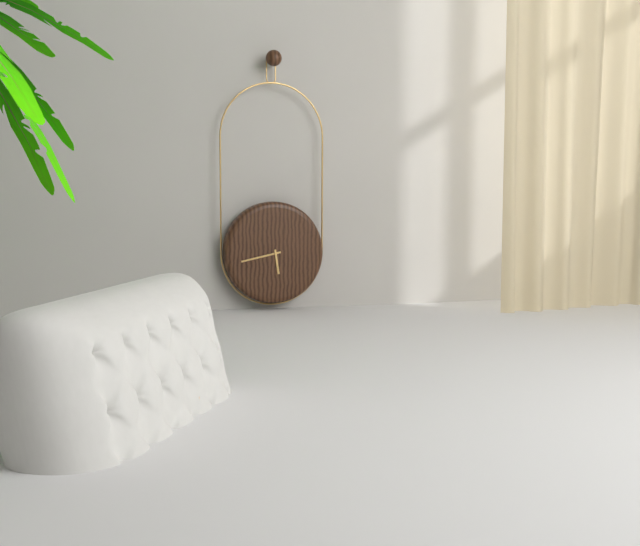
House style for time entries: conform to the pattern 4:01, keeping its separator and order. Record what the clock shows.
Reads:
5:43
